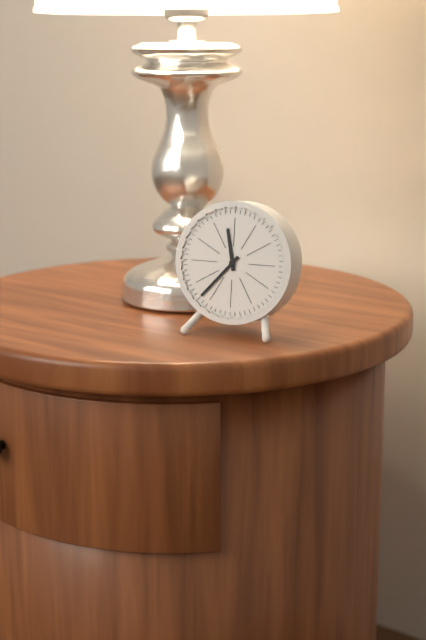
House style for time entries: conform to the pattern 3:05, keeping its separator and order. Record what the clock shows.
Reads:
11:37
